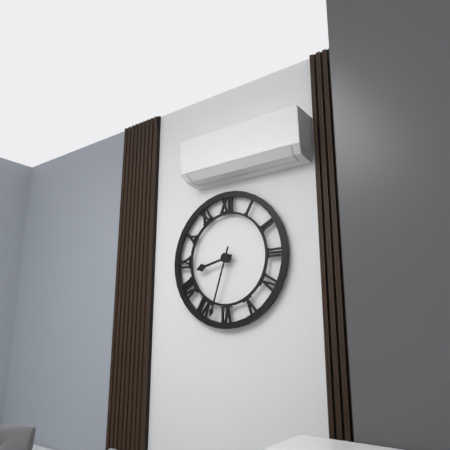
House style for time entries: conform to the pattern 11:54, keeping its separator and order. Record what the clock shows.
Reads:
8:33
